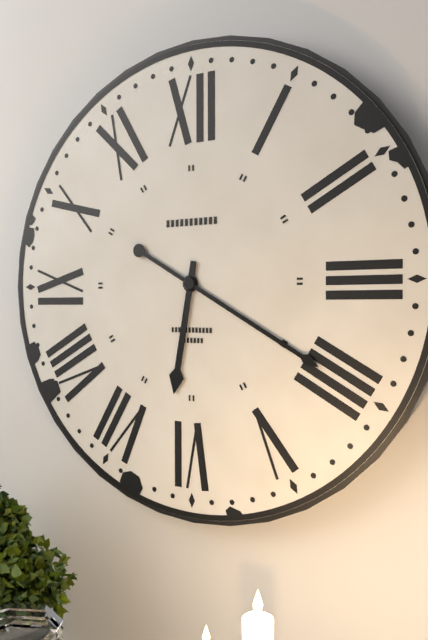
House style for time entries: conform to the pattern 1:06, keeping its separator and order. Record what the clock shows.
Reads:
6:20
